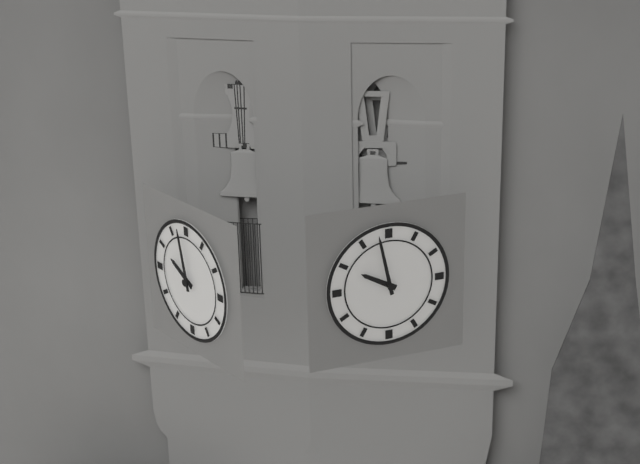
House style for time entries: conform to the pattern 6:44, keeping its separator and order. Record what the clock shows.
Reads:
9:58
